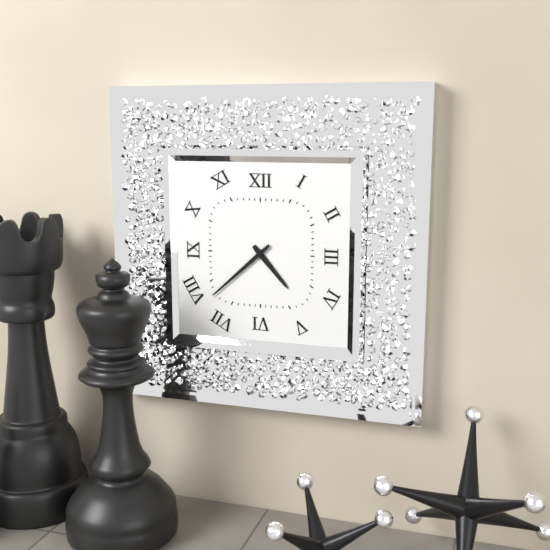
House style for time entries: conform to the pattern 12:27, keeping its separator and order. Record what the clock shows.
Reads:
4:38
